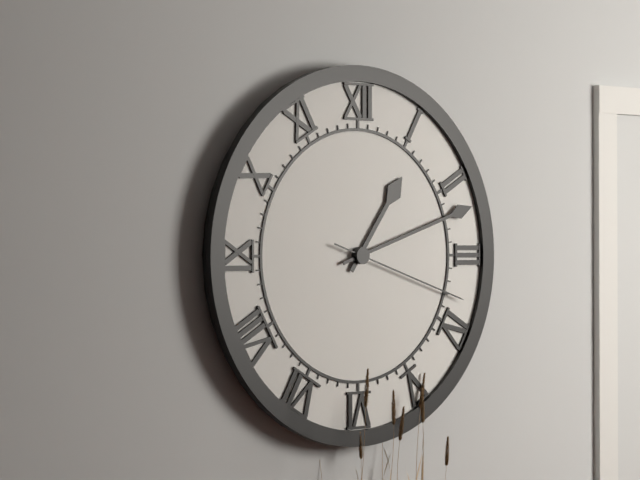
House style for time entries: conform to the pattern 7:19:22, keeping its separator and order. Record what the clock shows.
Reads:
1:12:18
